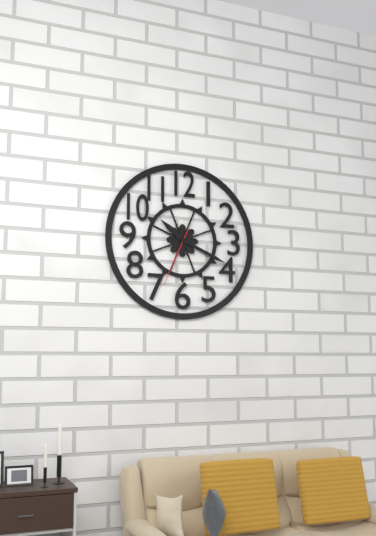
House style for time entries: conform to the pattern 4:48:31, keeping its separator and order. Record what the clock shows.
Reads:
10:19:34
